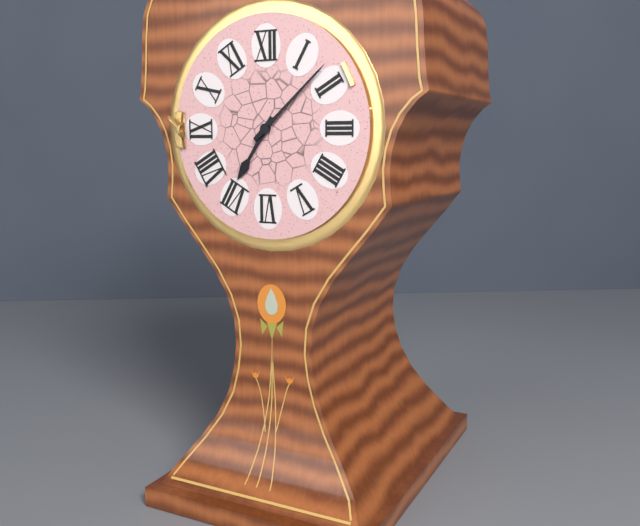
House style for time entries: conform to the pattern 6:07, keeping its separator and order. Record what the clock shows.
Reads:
7:08
